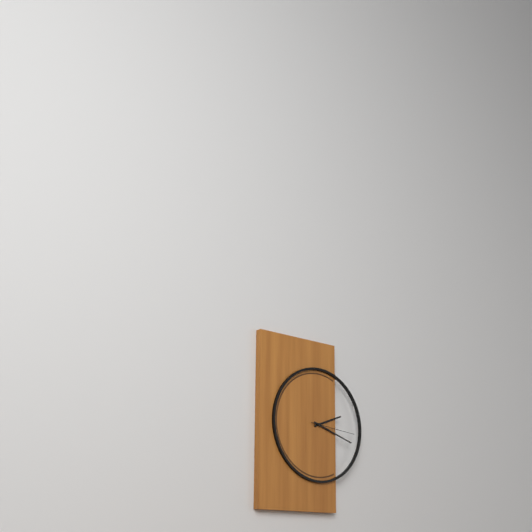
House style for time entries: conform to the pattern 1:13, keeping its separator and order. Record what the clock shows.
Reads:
2:18
